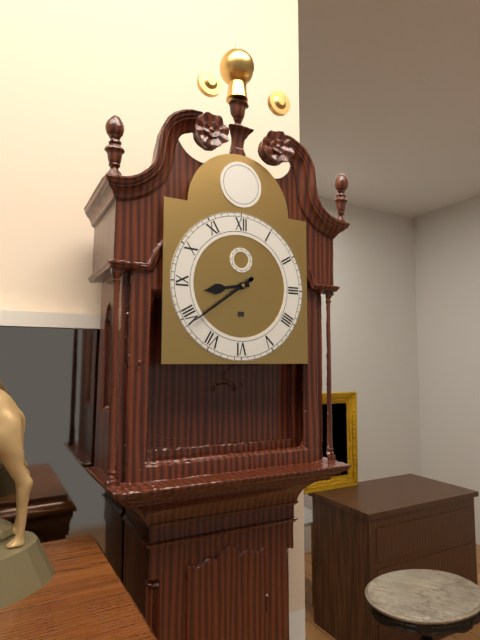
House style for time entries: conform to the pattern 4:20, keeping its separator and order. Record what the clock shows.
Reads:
8:39
